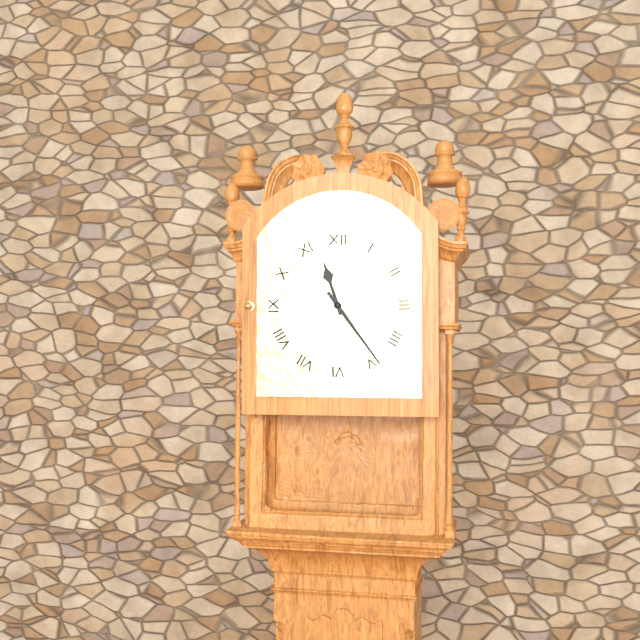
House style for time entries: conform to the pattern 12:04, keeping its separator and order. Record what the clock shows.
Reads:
11:24
